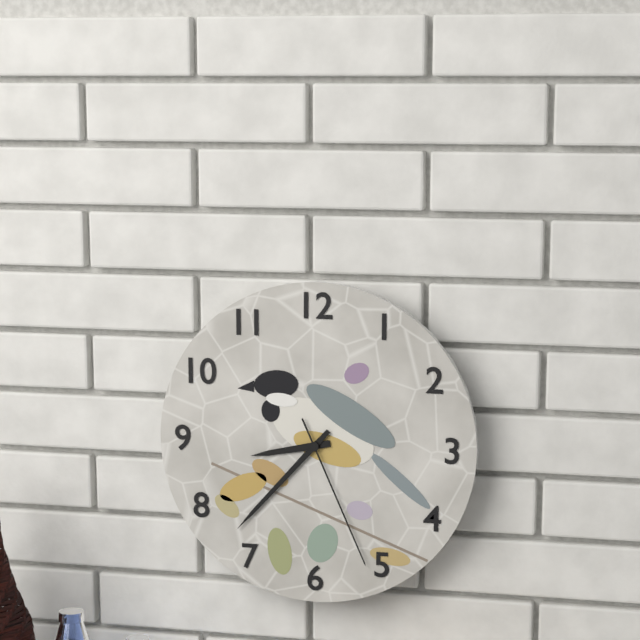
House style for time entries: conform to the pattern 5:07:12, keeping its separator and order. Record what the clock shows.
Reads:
8:37:26
